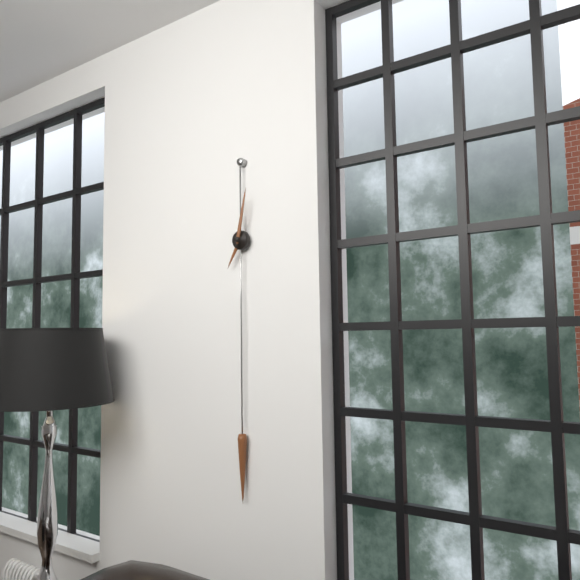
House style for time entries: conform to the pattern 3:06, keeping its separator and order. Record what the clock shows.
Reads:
7:02
